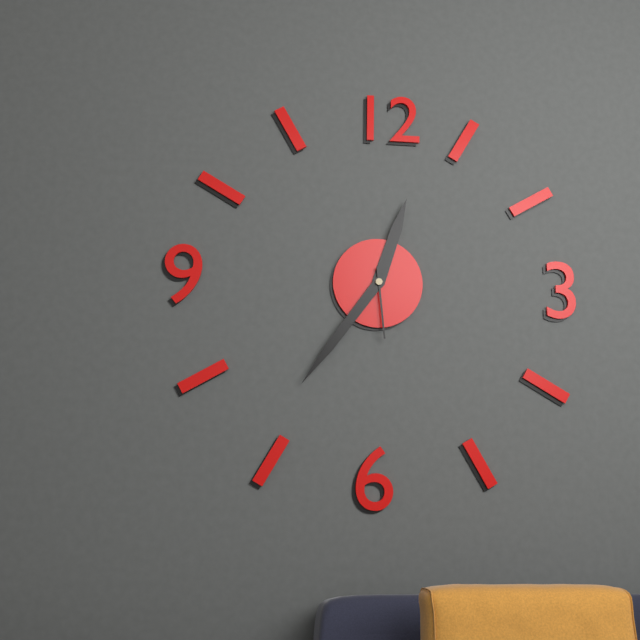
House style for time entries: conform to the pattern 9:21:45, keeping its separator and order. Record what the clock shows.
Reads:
12:36:29
